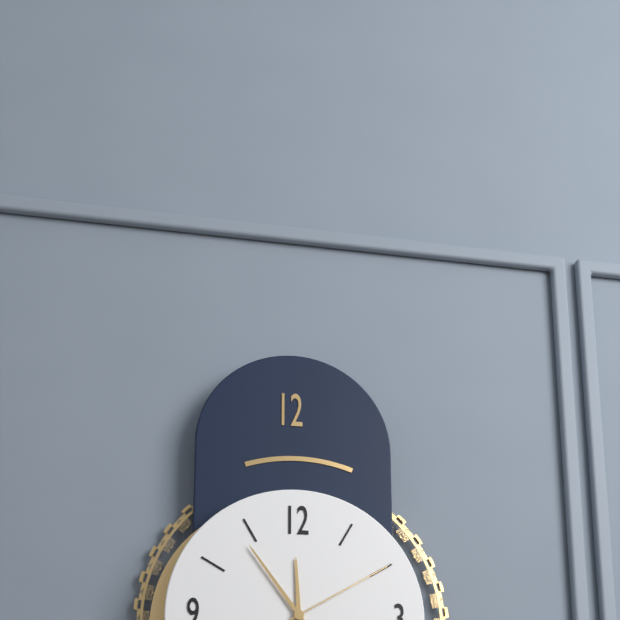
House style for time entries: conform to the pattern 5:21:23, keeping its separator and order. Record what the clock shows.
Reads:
11:54:10
